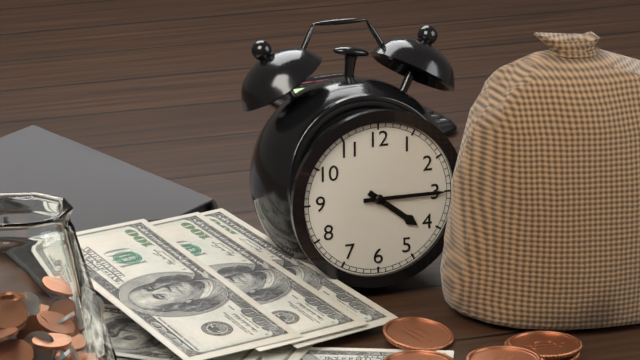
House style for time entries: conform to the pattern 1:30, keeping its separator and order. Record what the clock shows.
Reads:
4:15
